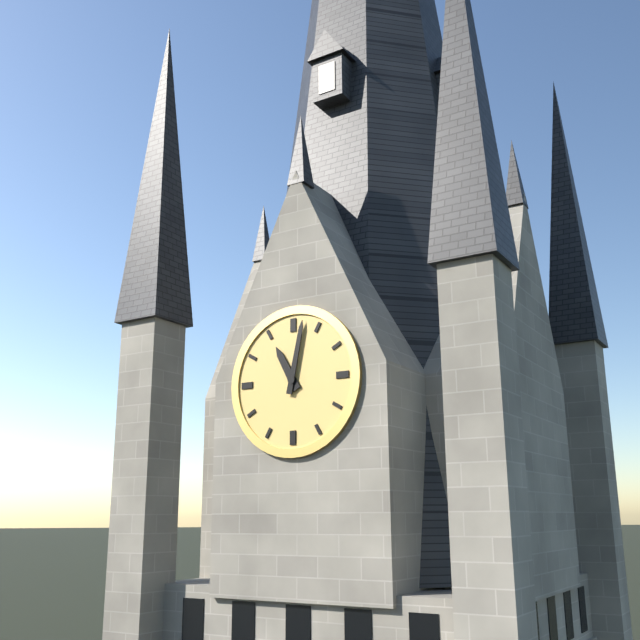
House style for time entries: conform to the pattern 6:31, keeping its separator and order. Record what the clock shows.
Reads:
11:02
